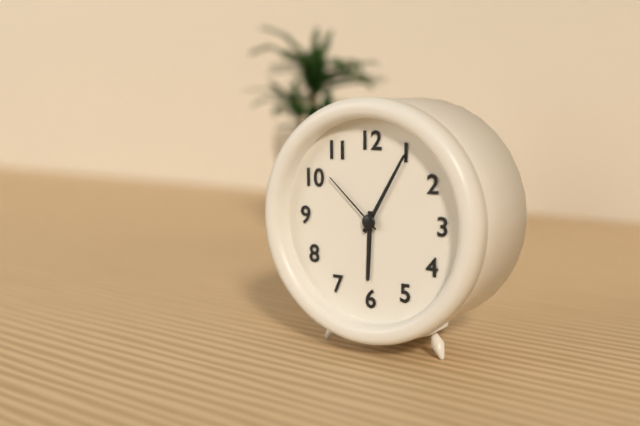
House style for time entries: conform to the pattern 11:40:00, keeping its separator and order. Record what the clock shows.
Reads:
6:05:52
